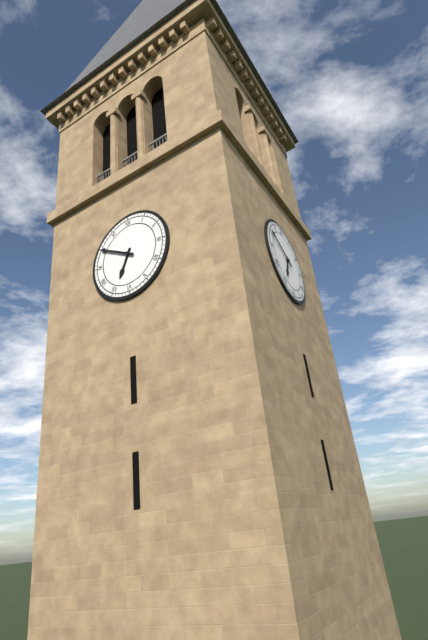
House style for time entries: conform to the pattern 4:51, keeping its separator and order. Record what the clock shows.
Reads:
6:50
